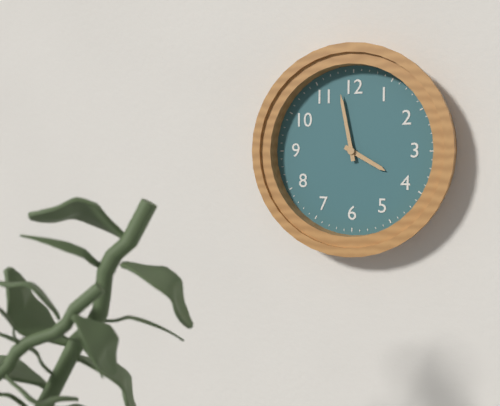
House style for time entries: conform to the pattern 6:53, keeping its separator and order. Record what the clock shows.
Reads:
3:58
